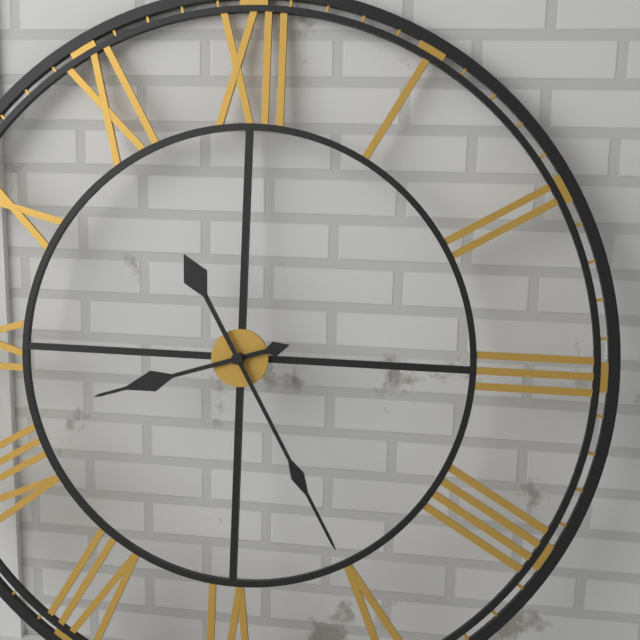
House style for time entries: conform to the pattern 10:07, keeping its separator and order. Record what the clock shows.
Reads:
8:25
